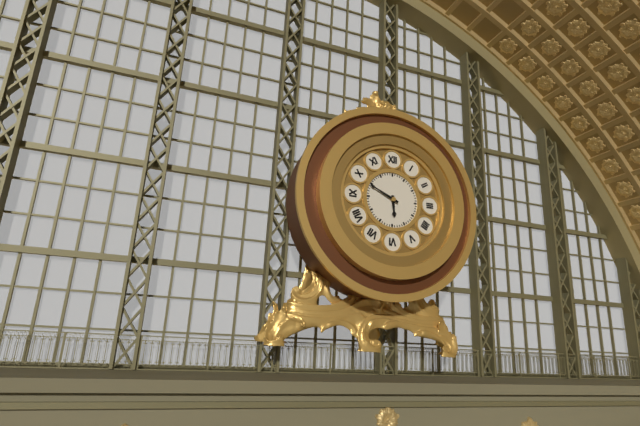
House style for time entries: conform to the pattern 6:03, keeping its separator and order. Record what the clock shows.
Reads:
5:49
